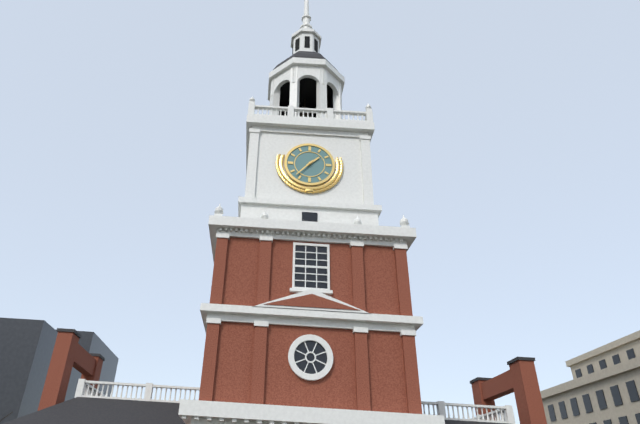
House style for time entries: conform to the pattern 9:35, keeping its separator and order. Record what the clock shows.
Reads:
1:37
